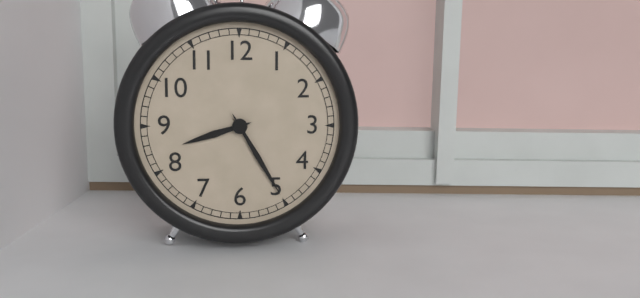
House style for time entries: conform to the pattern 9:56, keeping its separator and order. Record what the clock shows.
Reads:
8:25
